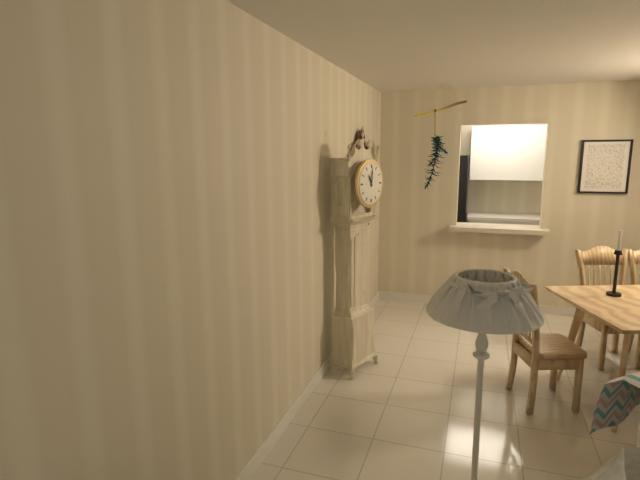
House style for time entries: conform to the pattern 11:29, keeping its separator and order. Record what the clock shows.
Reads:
11:01
